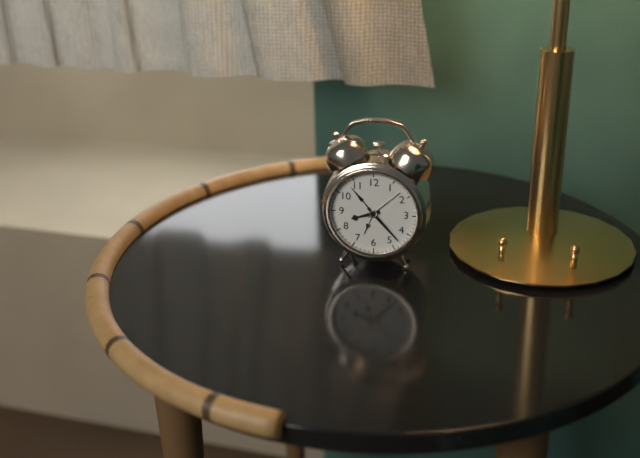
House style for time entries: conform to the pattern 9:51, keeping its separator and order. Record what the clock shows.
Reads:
8:23
